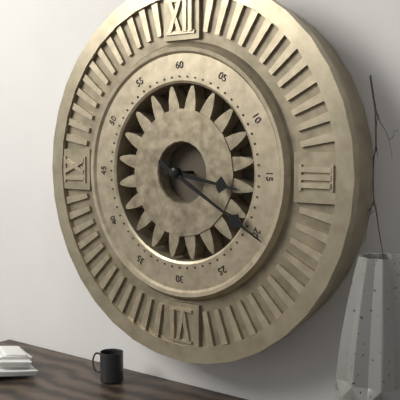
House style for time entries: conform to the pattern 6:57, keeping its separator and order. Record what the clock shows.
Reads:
3:20
